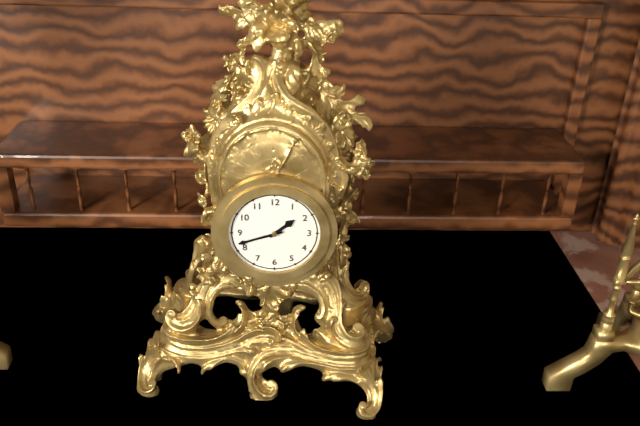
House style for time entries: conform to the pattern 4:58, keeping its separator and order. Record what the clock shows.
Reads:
1:42
